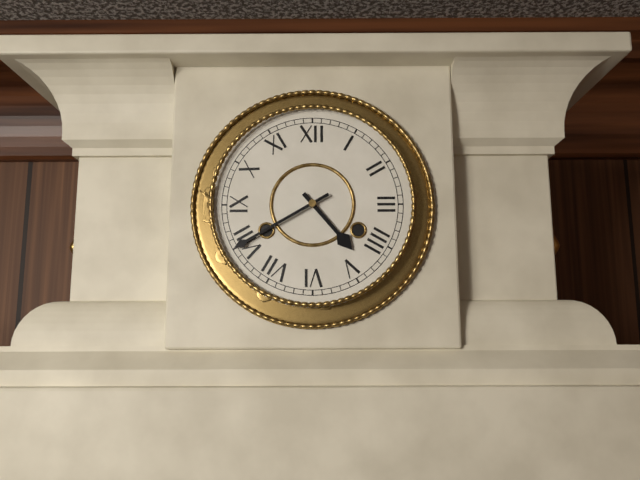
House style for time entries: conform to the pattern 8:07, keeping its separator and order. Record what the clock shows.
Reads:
4:40
